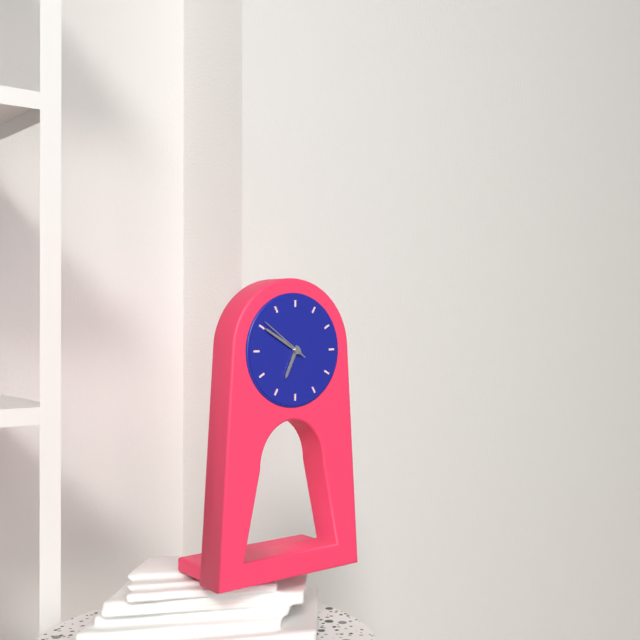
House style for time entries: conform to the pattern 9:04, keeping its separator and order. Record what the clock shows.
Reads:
6:50
